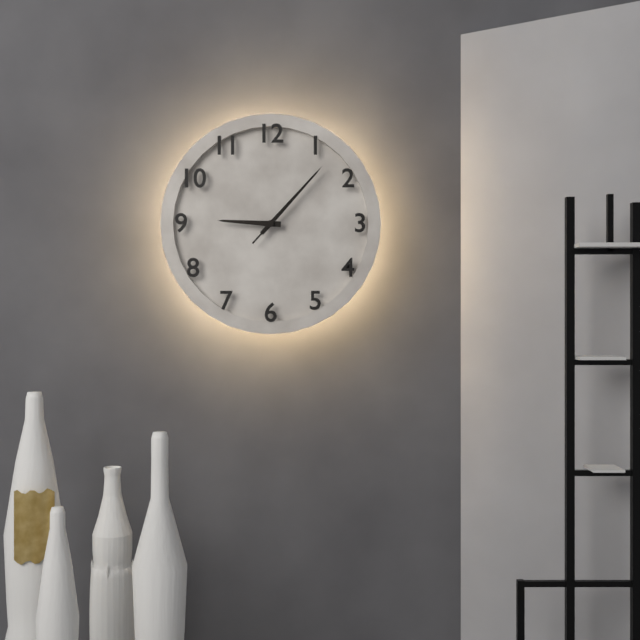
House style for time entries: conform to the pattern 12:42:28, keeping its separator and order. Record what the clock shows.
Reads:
9:07:07
